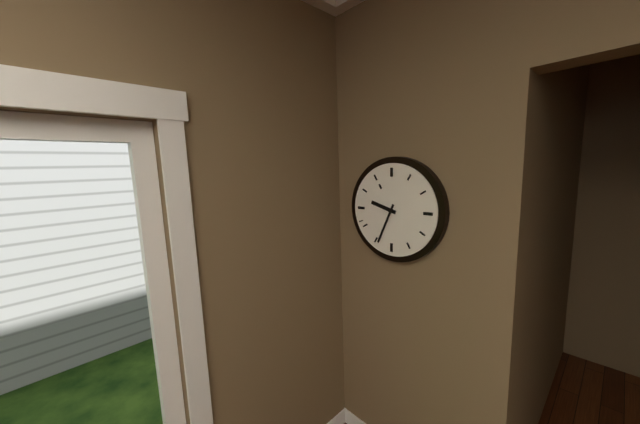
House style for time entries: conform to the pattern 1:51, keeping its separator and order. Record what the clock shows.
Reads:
9:34
